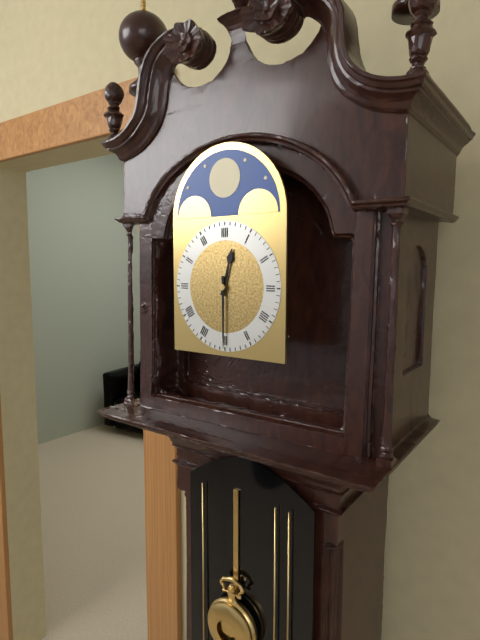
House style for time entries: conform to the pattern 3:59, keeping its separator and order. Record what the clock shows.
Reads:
12:30
